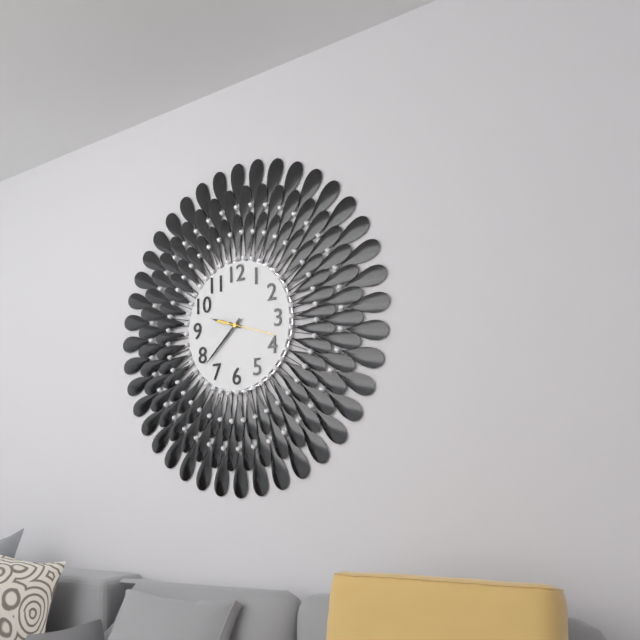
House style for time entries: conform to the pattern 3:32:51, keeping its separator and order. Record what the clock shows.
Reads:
9:38:18
